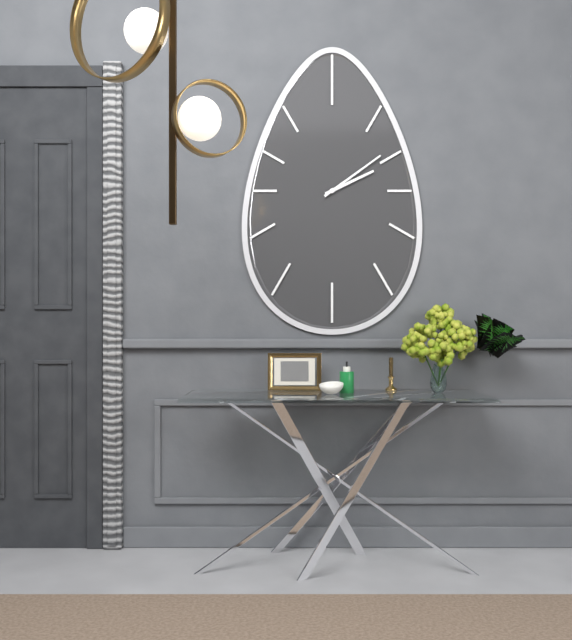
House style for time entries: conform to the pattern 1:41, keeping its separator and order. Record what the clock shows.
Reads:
2:09
